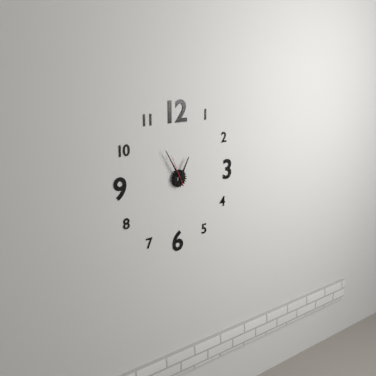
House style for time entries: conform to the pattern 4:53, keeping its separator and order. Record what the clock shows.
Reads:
12:55
